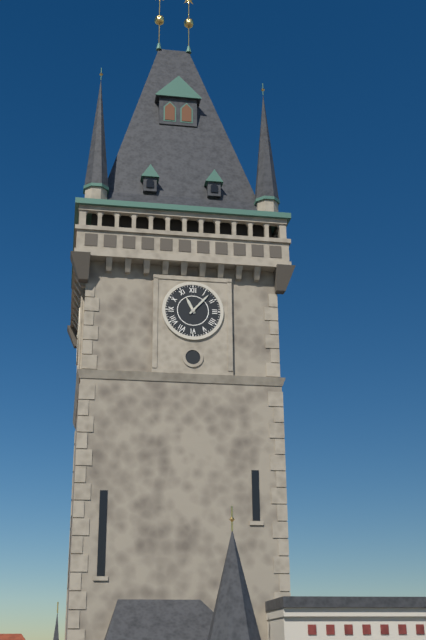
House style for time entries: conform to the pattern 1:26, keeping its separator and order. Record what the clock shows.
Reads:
11:07
